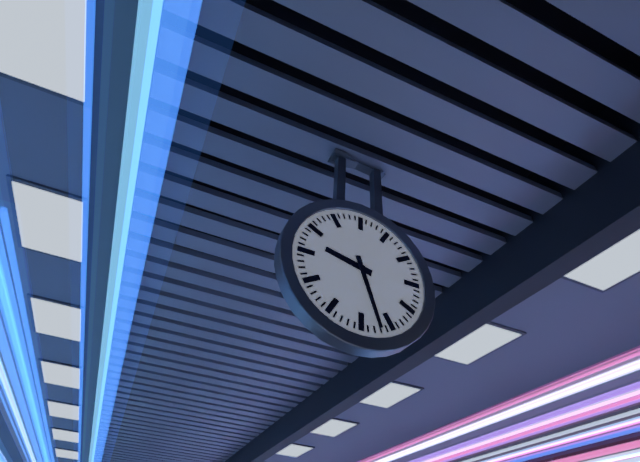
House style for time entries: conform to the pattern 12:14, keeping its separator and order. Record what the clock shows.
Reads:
9:27
